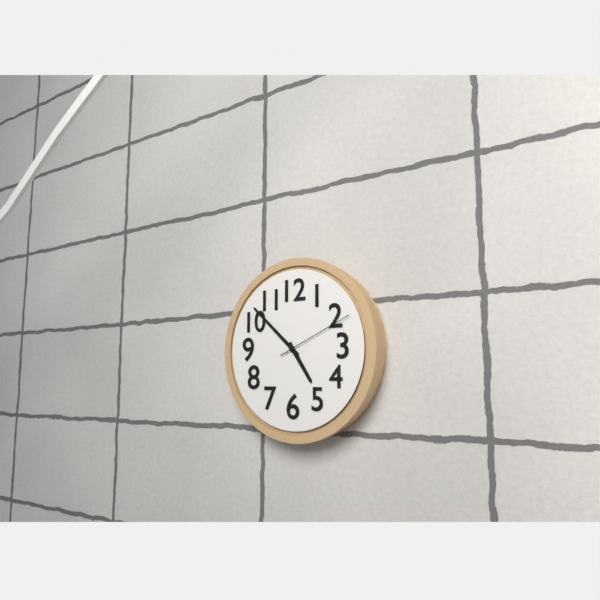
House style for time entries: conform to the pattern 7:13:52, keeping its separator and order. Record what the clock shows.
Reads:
4:52:11
